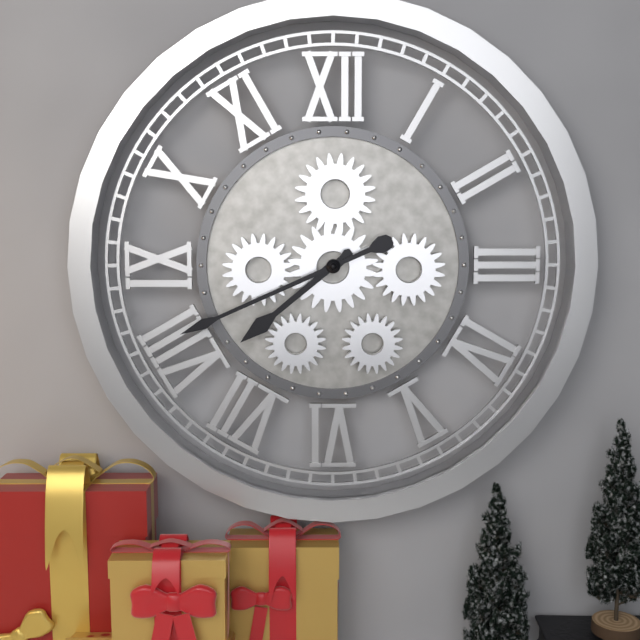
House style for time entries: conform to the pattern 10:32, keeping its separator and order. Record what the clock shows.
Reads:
7:41
